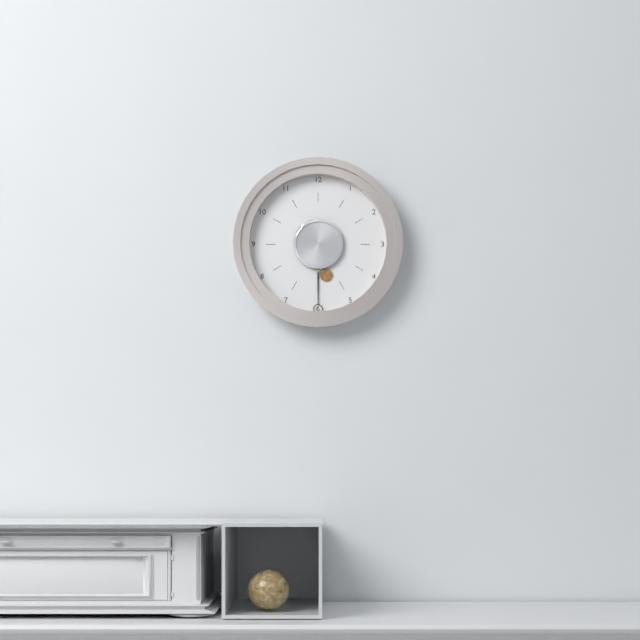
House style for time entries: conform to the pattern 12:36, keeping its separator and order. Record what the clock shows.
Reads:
5:30
